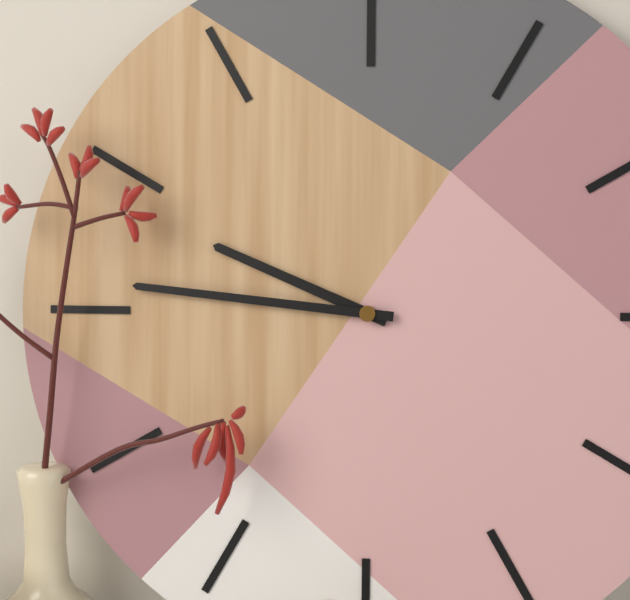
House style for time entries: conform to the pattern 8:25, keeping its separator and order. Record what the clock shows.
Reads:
9:46
